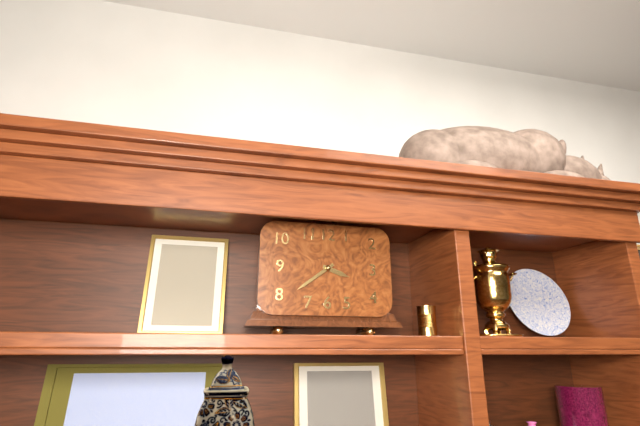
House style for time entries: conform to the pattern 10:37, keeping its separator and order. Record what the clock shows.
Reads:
3:39
